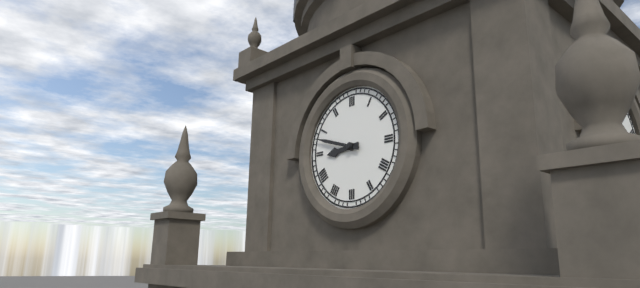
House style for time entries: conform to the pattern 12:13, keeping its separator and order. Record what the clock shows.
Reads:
8:48
